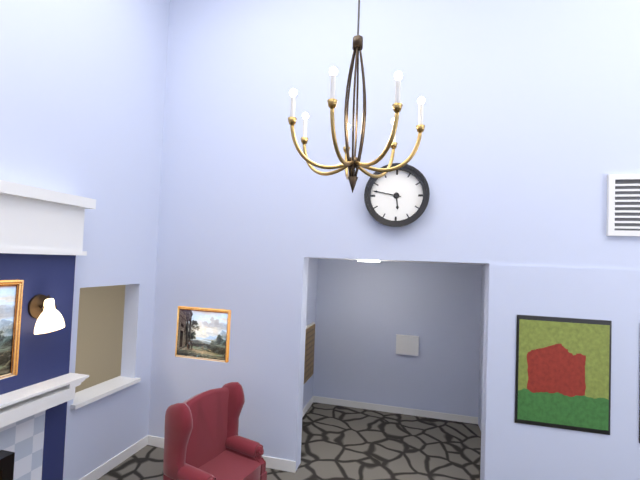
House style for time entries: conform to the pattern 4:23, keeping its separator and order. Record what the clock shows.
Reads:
5:47
